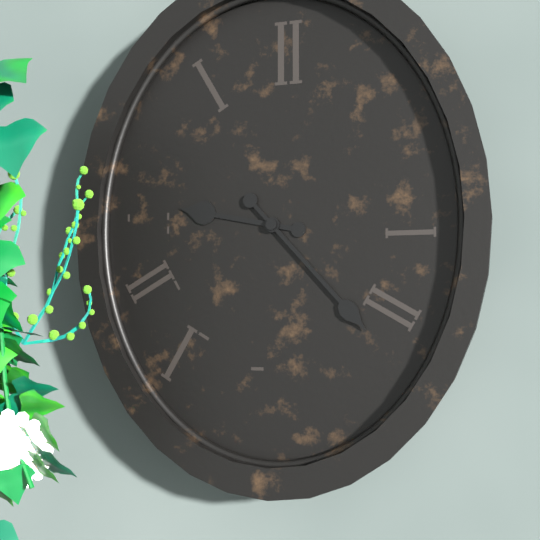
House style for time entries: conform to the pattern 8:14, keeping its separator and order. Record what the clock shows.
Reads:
9:23
